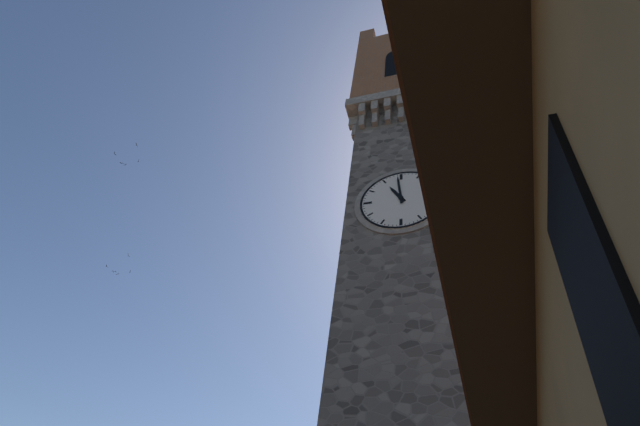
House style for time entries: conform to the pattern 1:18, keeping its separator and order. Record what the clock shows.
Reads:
10:59
